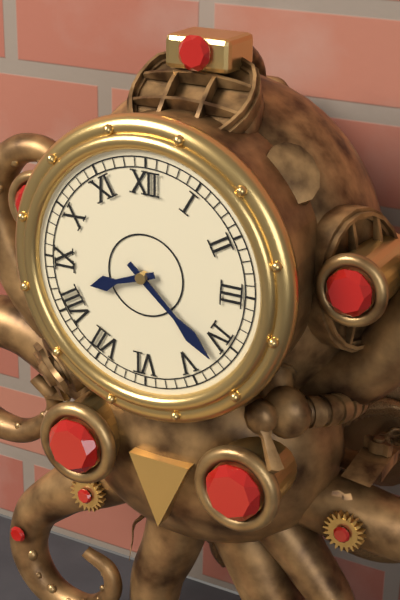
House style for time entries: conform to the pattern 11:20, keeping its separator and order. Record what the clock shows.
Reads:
8:22
